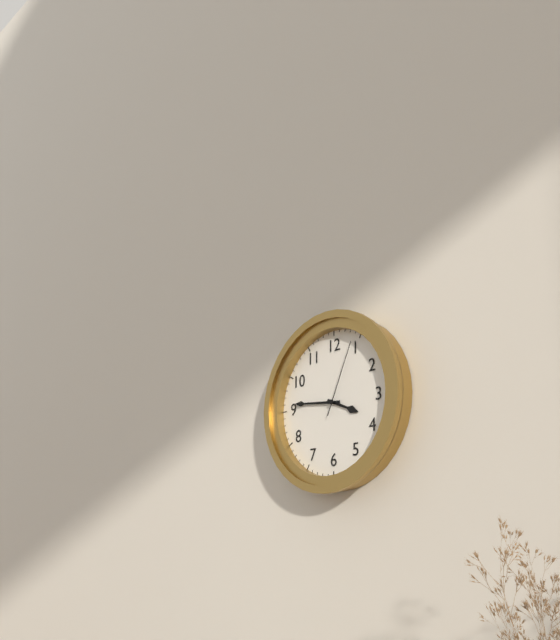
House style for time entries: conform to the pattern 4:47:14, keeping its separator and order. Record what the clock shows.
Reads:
3:46:04
